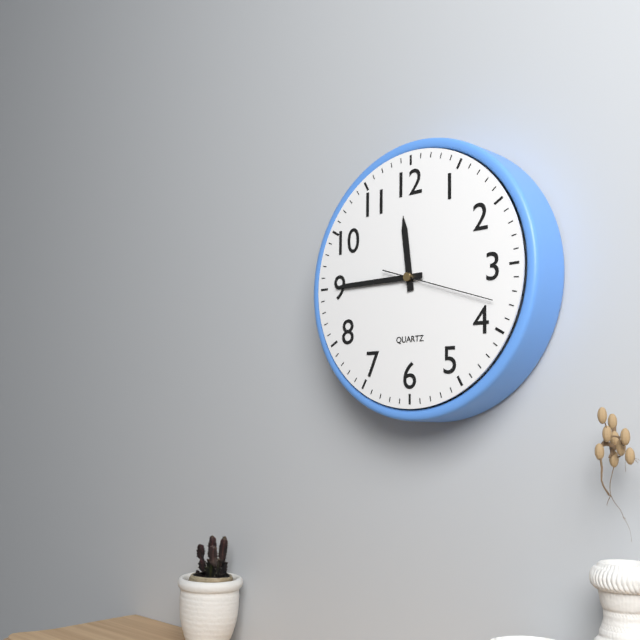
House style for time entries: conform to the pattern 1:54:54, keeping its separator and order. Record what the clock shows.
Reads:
11:45:18
